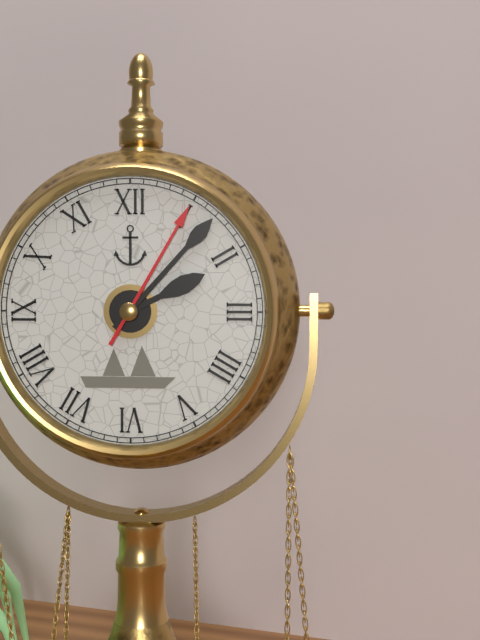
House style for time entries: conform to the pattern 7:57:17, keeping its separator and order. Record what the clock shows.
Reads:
2:07:05
